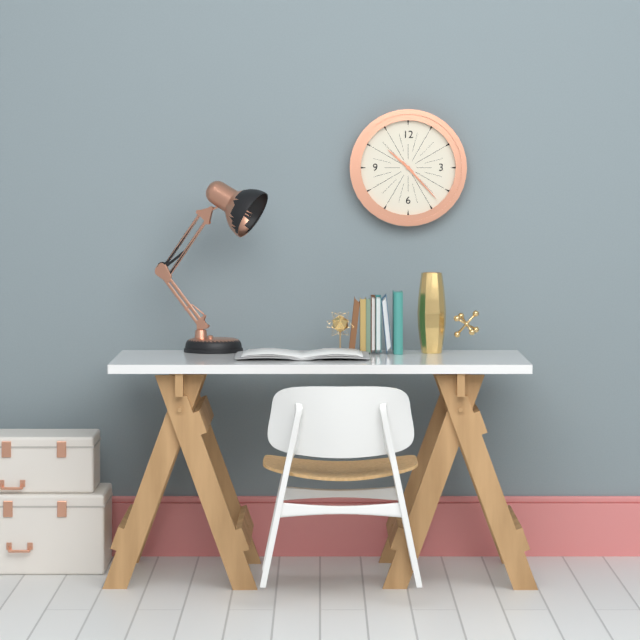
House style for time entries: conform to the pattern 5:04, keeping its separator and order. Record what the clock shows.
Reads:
10:23
